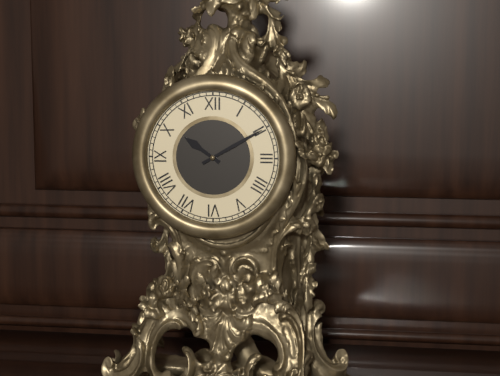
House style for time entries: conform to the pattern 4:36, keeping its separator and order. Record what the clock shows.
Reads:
10:10
